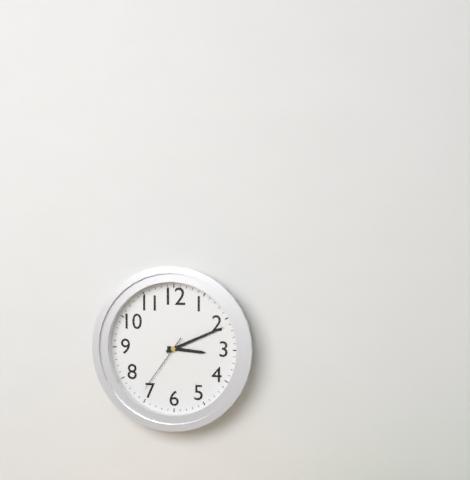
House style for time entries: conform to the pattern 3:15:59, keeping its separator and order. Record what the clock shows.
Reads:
3:11:36
